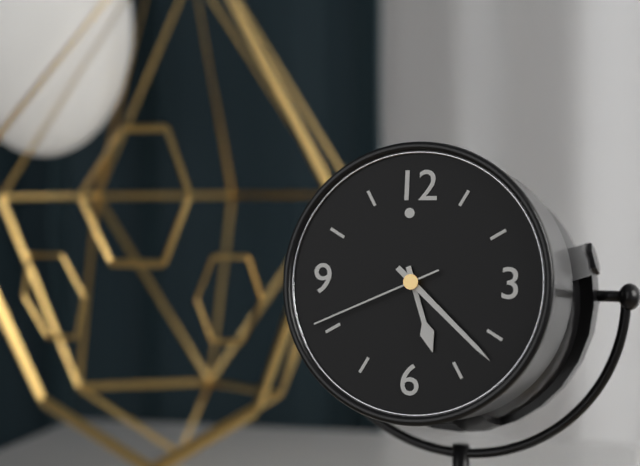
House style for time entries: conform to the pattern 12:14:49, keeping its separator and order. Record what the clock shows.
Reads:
5:22:41
